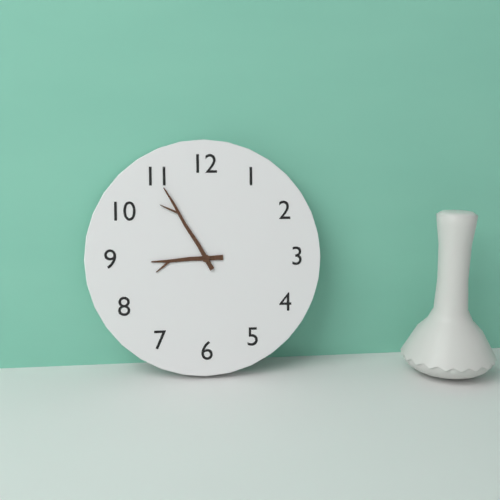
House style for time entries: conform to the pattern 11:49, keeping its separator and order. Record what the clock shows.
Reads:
8:55
